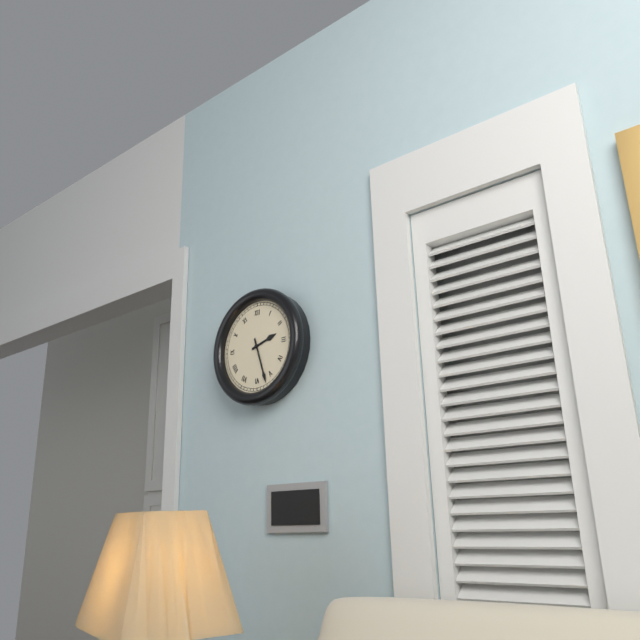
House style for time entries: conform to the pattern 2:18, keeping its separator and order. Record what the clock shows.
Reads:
2:27
